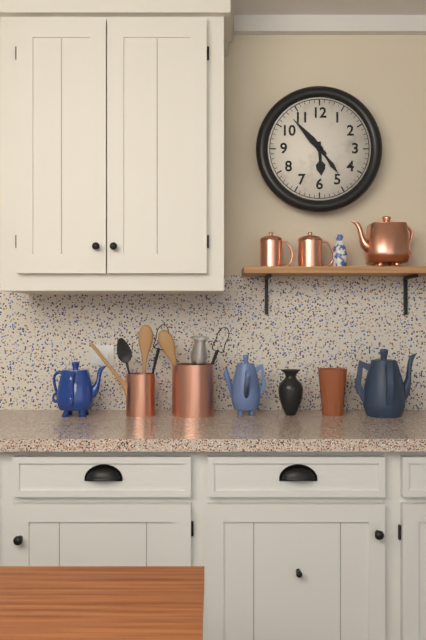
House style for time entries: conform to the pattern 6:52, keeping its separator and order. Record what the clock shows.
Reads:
5:53
